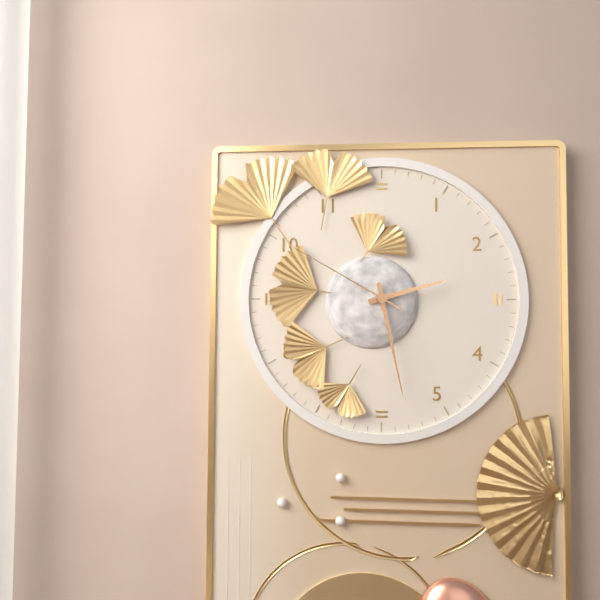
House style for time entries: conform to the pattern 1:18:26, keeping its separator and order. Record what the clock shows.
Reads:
2:28:50
